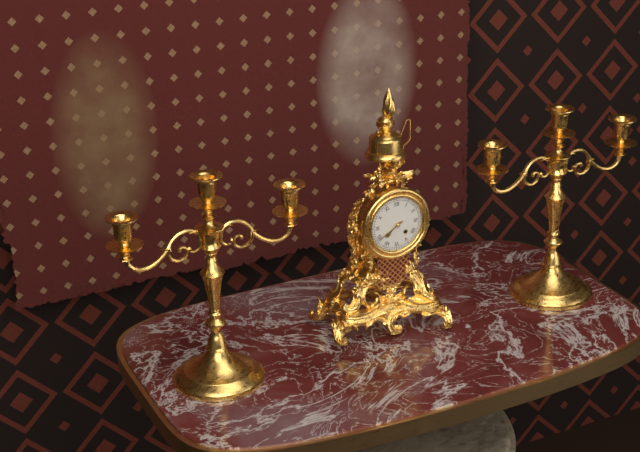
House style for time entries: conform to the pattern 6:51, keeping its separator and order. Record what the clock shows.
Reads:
7:40
